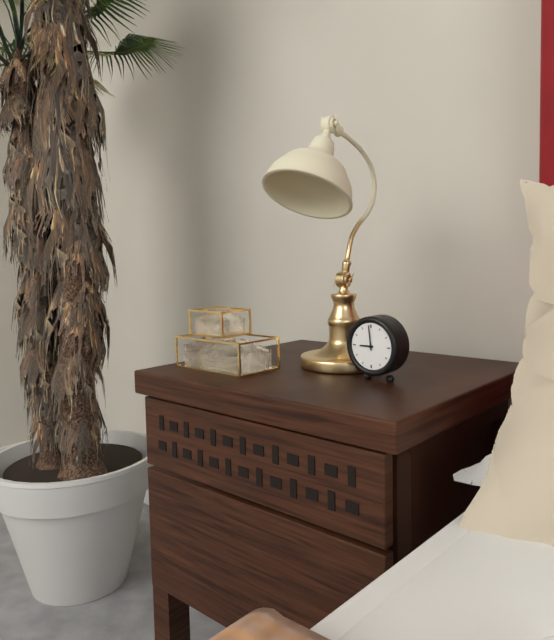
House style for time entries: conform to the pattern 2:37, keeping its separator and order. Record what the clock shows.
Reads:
8:59
